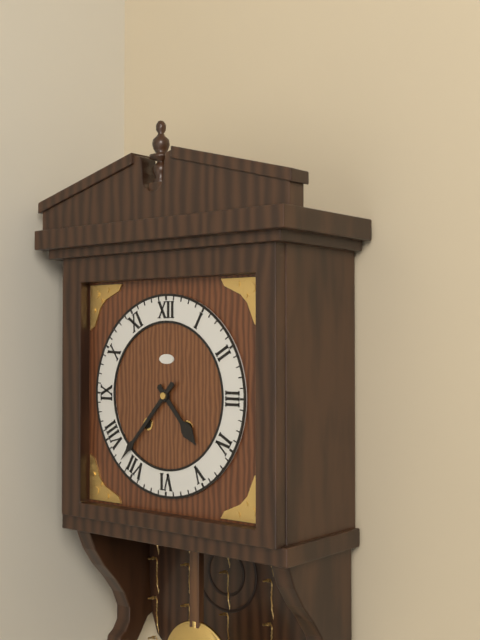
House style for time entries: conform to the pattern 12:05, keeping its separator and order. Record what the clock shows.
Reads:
4:37
